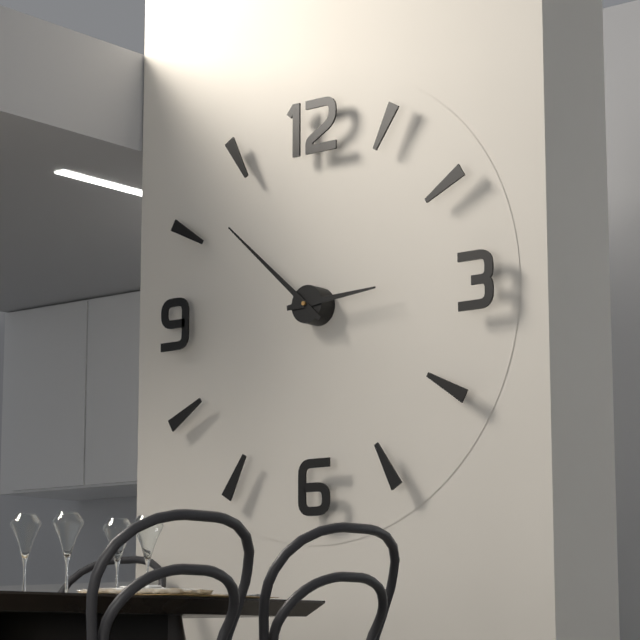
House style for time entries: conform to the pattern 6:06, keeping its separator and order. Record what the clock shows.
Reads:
2:52
